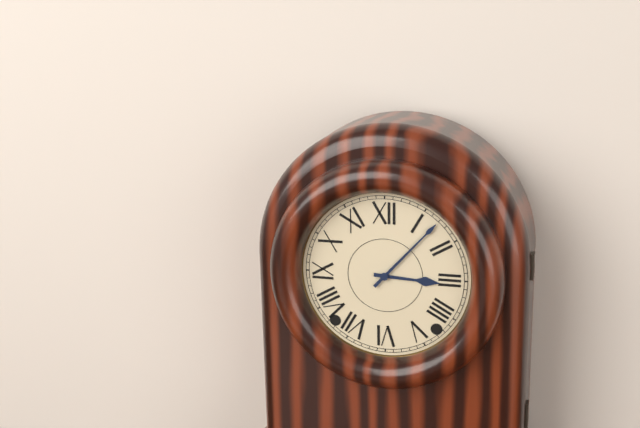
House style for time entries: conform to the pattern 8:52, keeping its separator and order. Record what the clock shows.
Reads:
3:07
